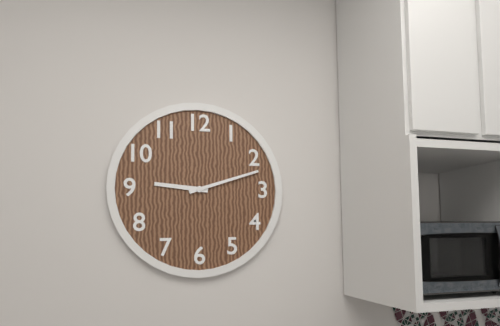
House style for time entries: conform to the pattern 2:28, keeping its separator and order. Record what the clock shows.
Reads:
9:12
